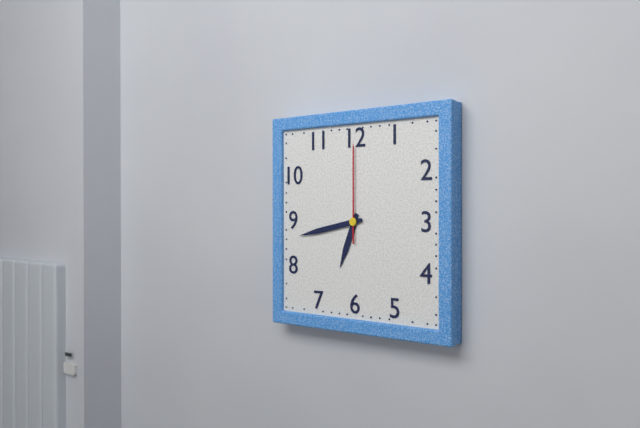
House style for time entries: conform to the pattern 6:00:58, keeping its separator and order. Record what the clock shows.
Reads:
6:43:00
